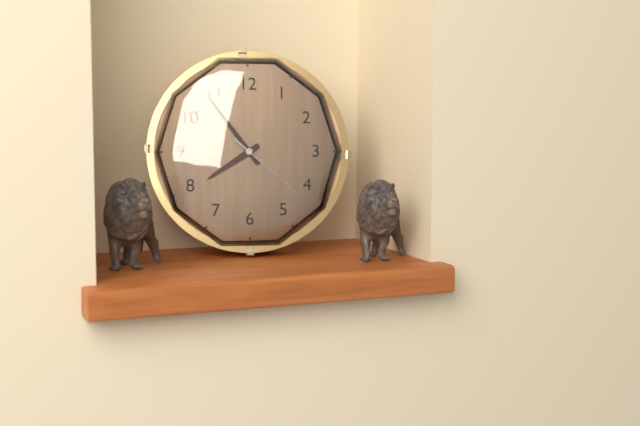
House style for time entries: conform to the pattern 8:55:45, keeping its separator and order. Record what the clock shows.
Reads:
7:54:22
